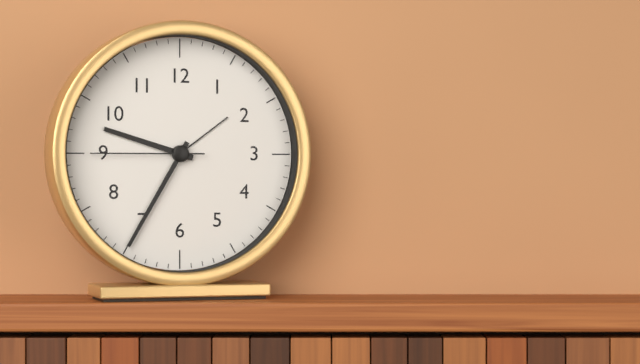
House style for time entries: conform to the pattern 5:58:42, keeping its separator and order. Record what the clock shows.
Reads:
9:35:45
